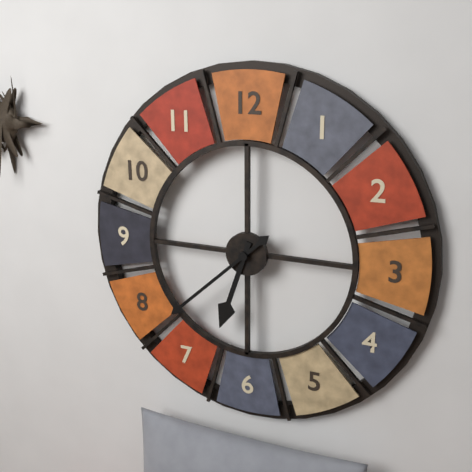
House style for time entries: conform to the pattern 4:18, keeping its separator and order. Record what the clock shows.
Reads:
6:38
